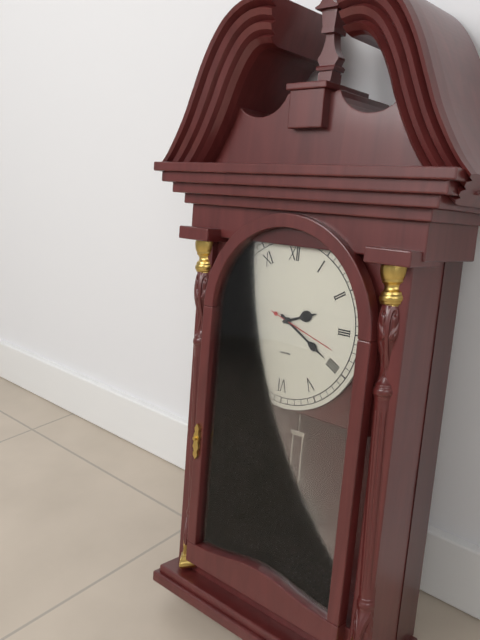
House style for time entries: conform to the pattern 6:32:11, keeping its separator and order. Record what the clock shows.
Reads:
2:20:18
